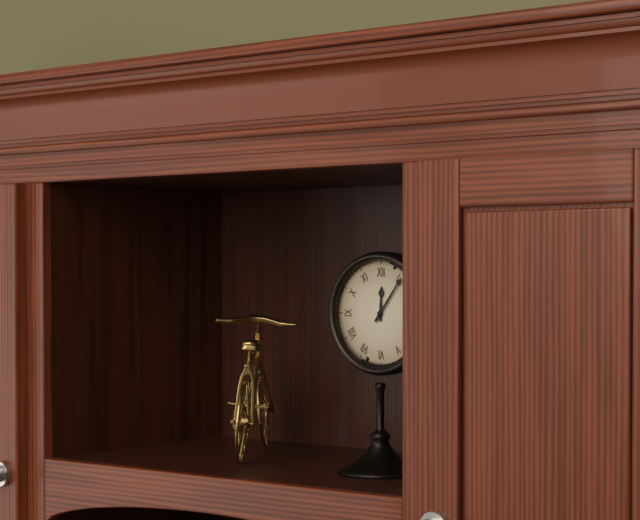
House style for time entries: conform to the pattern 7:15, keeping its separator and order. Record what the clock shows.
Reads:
12:06
